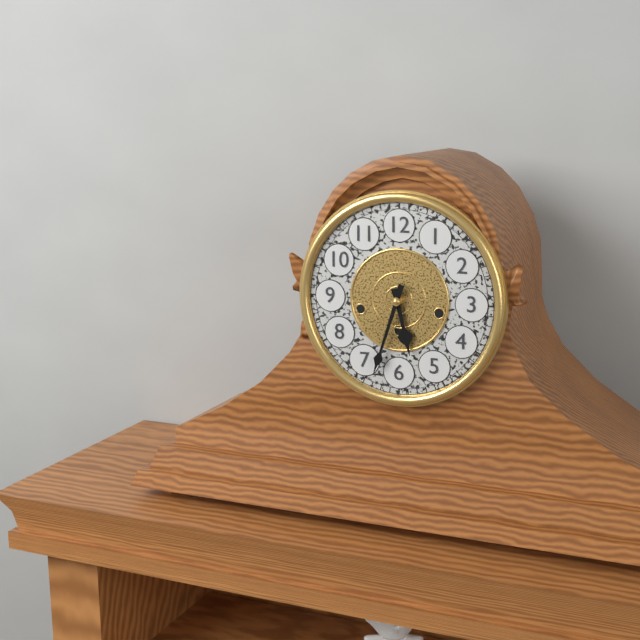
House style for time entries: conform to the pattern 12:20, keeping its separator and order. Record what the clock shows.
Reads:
5:33
